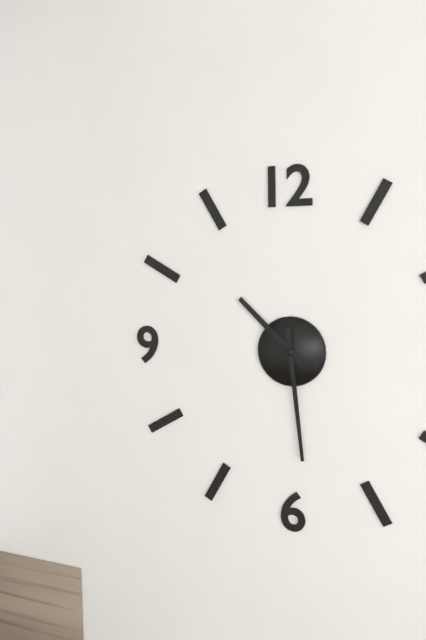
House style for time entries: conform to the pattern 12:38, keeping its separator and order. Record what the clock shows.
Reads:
10:29
